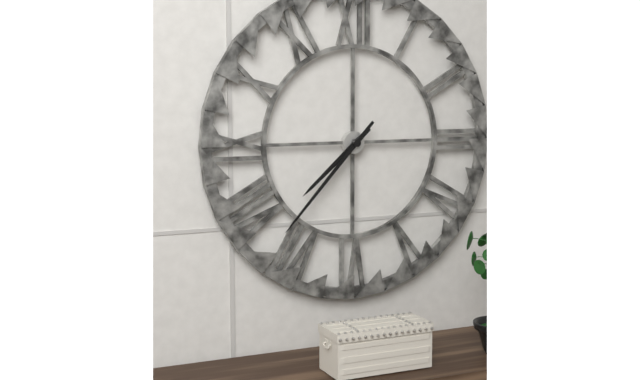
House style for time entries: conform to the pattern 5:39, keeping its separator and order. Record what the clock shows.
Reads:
7:37
